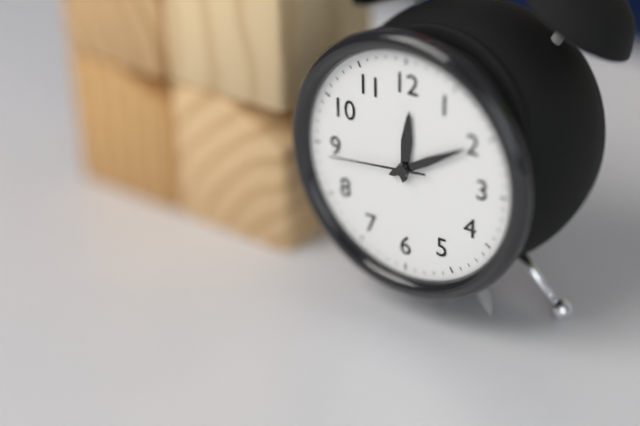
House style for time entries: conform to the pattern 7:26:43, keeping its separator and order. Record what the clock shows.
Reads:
12:10:44
